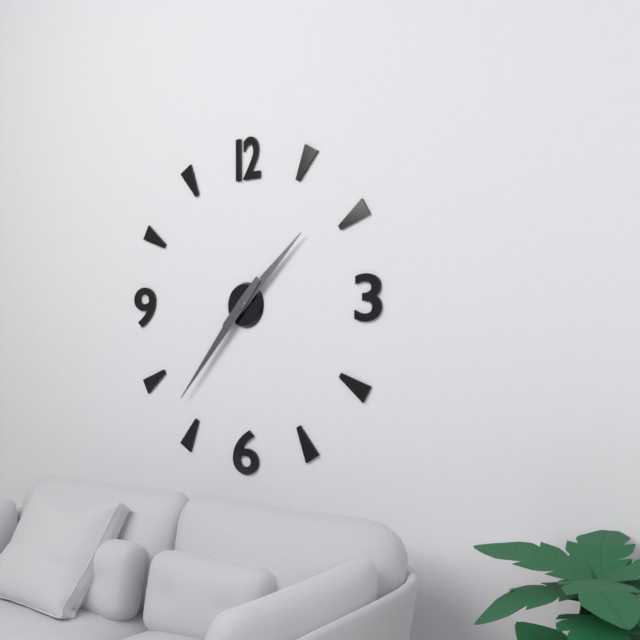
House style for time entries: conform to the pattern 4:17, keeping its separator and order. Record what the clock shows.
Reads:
1:37
